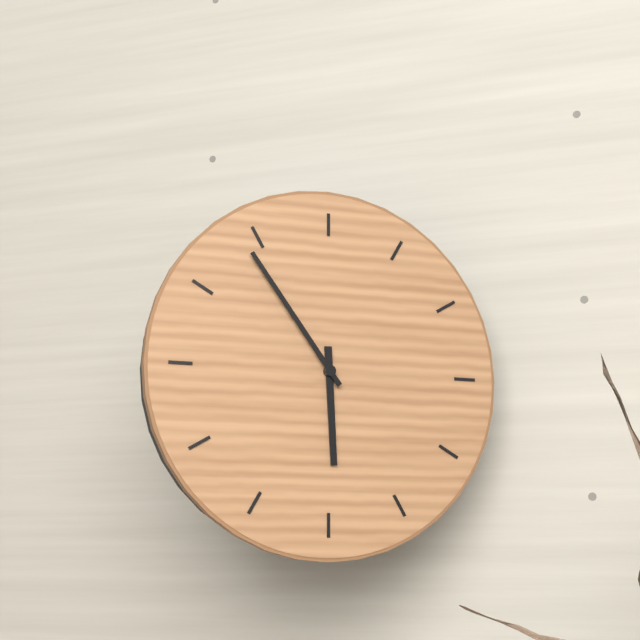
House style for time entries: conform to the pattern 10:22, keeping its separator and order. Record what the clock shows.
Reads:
5:54
